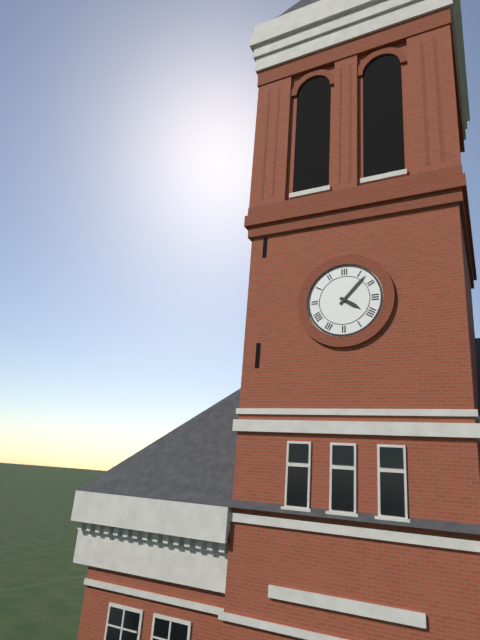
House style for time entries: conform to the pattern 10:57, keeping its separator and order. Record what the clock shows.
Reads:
4:07
